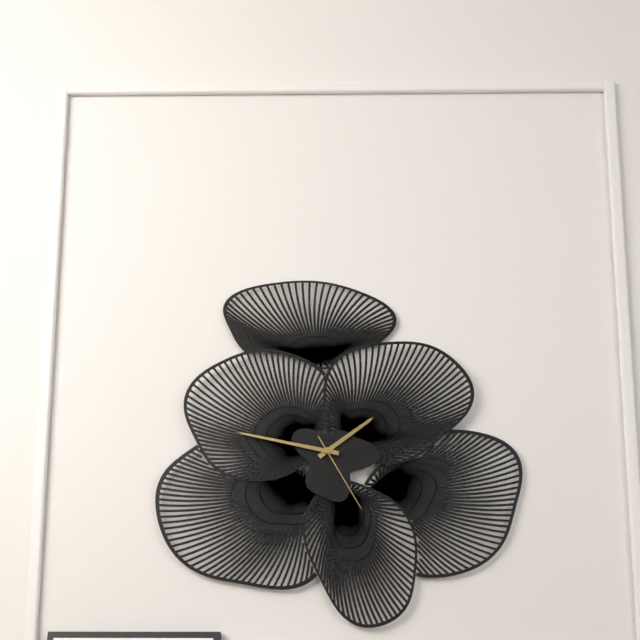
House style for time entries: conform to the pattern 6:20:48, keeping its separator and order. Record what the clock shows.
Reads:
1:47:25
